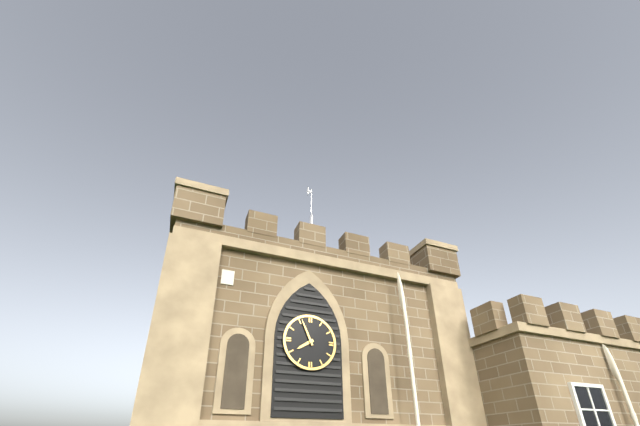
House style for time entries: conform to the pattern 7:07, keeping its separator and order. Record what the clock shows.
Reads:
7:56
